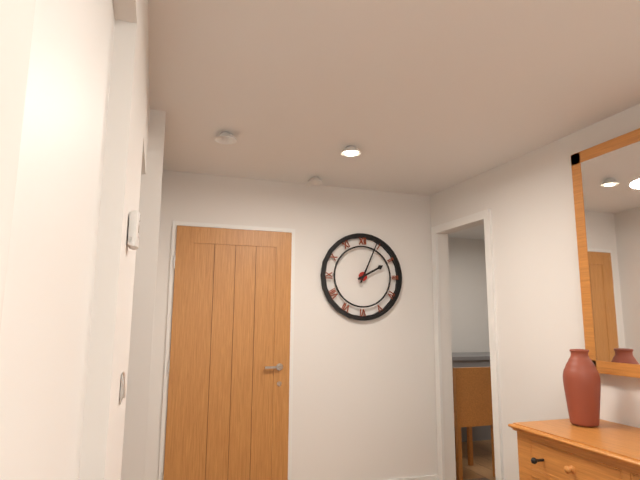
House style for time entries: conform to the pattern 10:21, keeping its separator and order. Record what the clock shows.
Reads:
2:04
